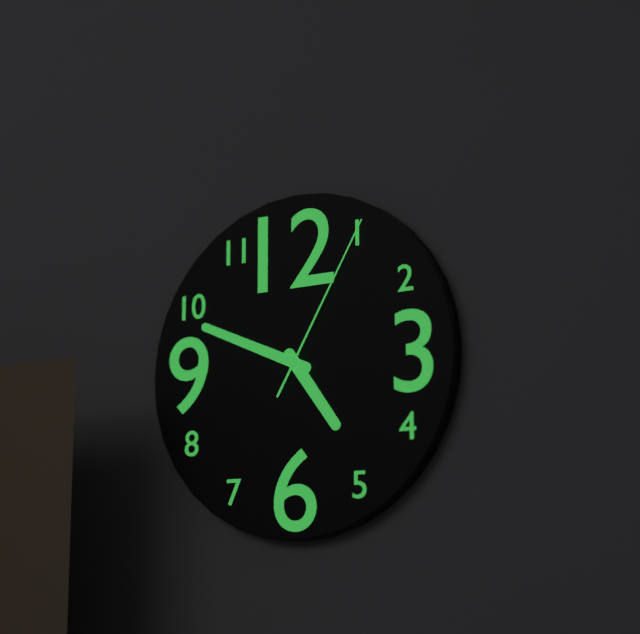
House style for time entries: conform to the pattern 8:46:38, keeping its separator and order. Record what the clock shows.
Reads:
4:49:05
